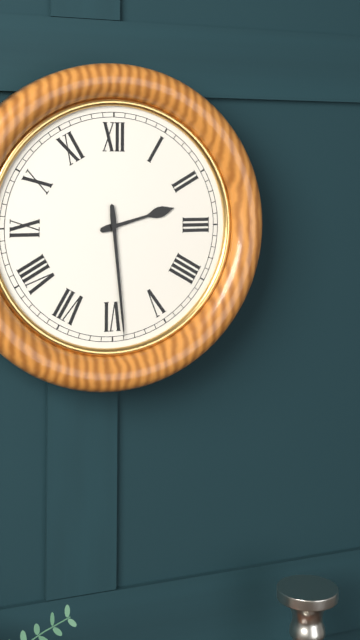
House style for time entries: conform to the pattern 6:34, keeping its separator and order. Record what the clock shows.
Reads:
2:29
